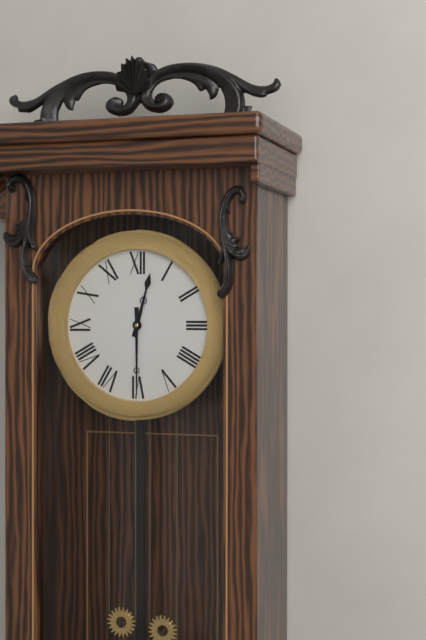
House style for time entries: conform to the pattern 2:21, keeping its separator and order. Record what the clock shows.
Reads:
12:30
